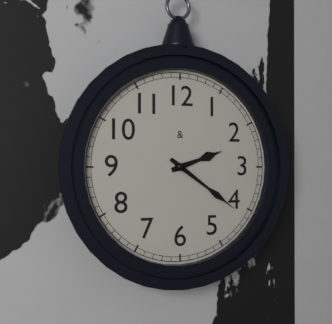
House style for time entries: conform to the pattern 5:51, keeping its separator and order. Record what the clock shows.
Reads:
2:21
